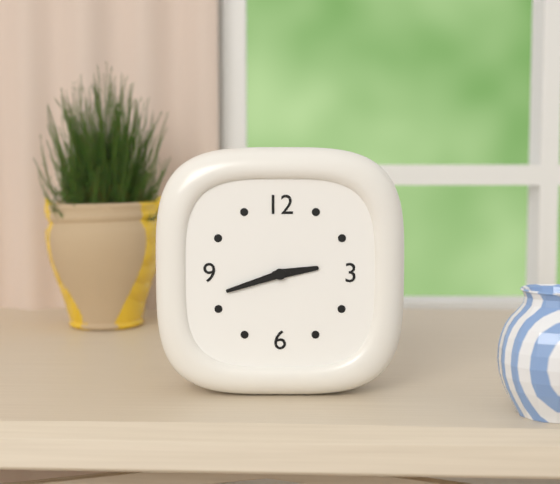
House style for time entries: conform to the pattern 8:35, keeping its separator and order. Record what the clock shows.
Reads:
2:42
